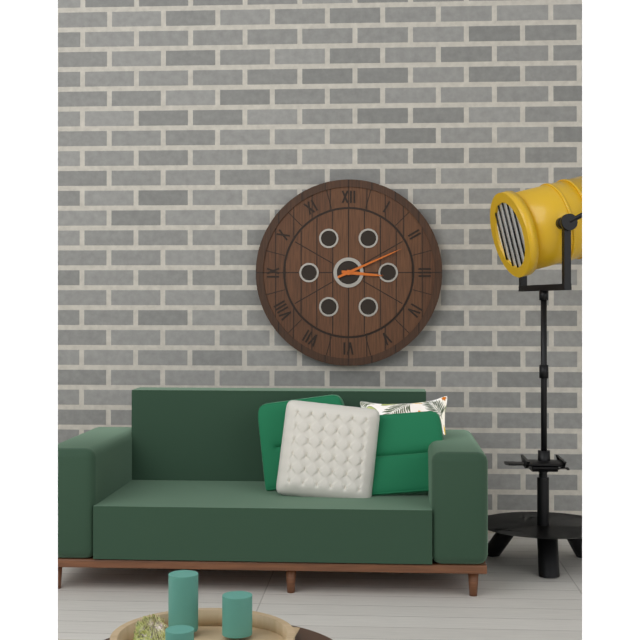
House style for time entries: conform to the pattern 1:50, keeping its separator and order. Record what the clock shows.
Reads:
3:11
